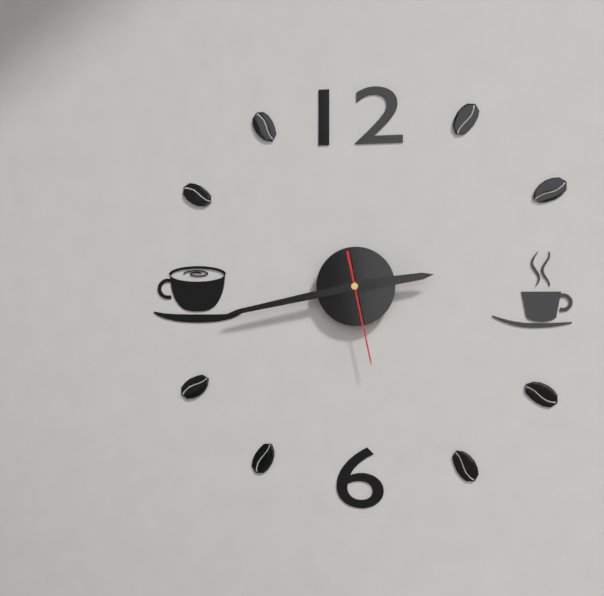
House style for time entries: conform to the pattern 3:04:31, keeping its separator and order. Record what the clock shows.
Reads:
2:43:28
